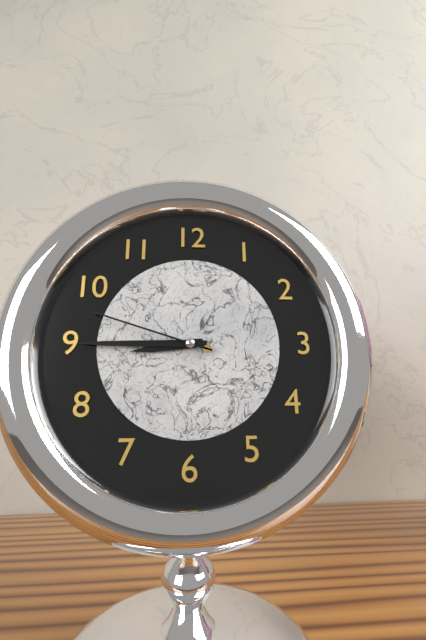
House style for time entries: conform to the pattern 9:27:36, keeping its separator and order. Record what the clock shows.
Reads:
8:45:48
